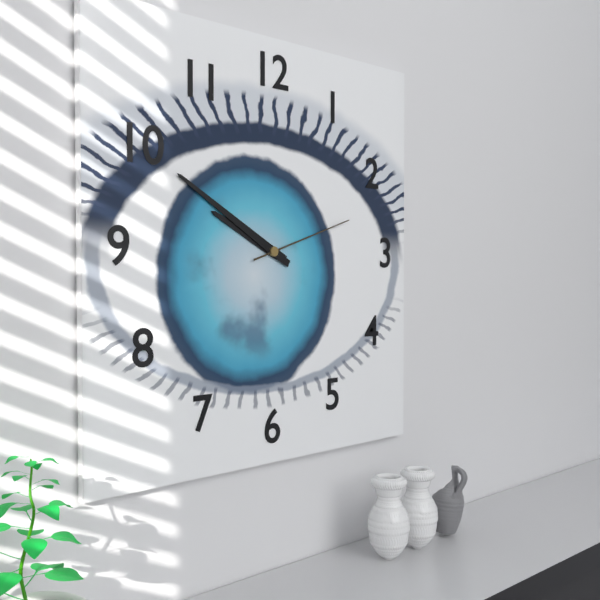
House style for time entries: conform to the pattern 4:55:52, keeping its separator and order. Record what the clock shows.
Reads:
9:50:12
